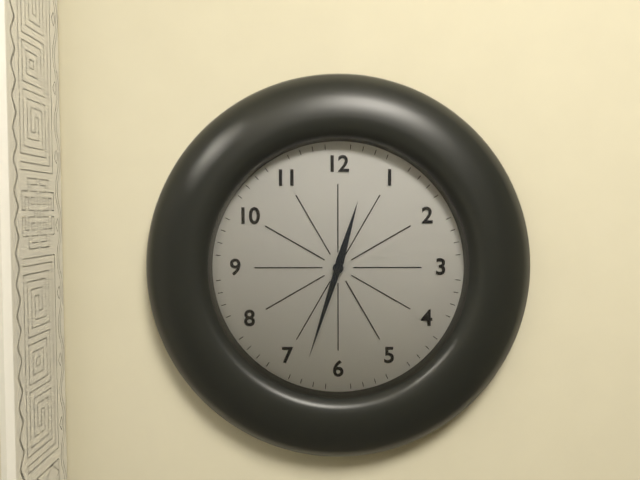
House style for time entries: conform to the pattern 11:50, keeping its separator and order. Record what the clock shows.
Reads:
12:33
